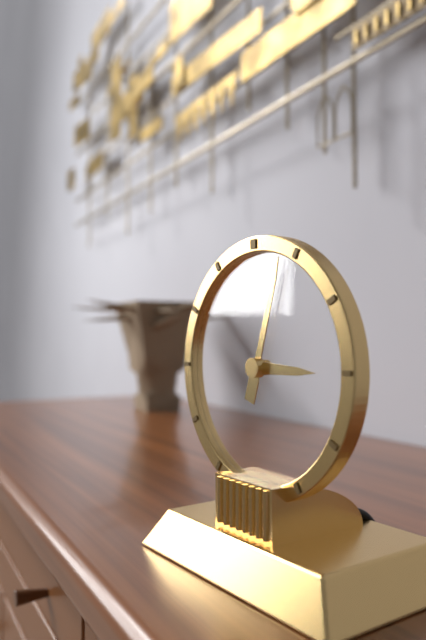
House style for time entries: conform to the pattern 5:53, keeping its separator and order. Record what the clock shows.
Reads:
3:03
